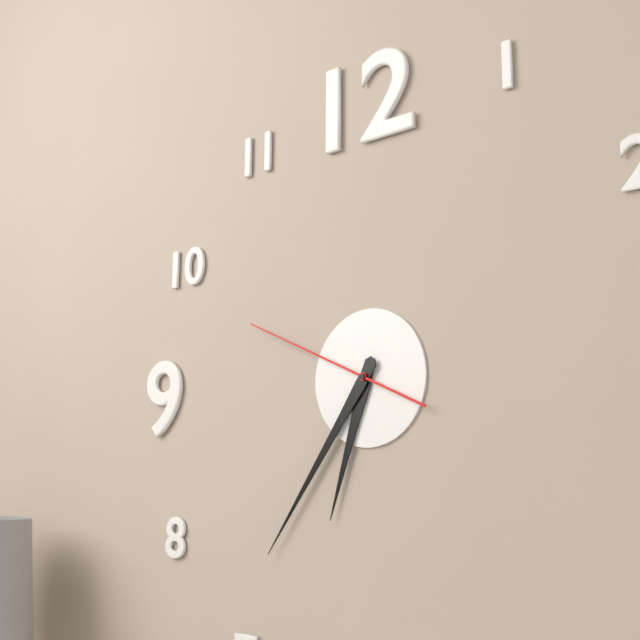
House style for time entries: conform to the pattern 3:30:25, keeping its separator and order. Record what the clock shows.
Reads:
6:36:49
